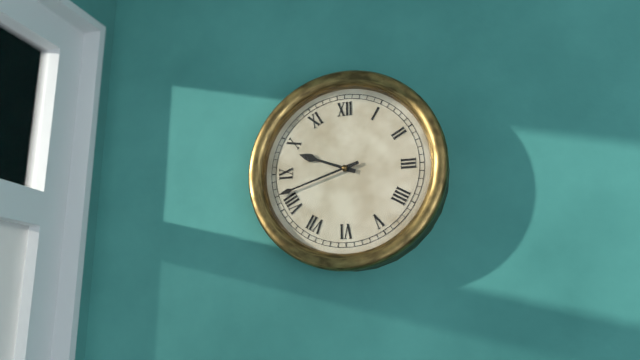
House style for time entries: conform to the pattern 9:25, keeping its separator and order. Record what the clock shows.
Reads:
9:42
